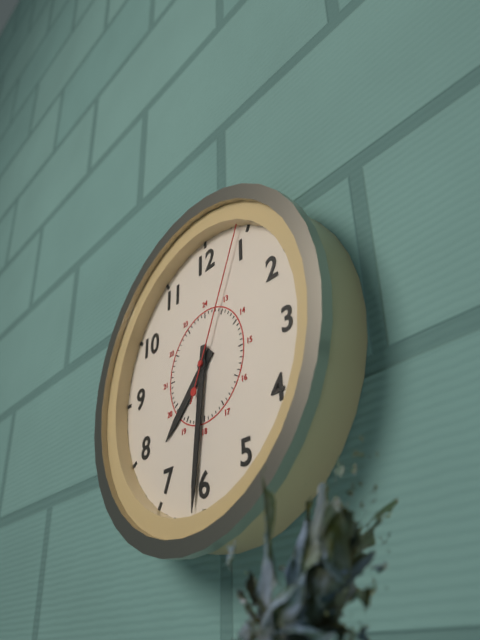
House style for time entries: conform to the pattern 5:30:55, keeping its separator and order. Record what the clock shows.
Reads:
7:31:04
